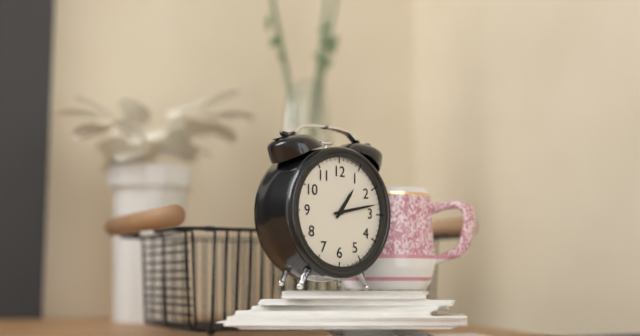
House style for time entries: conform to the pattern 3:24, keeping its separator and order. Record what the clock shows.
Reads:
1:13
